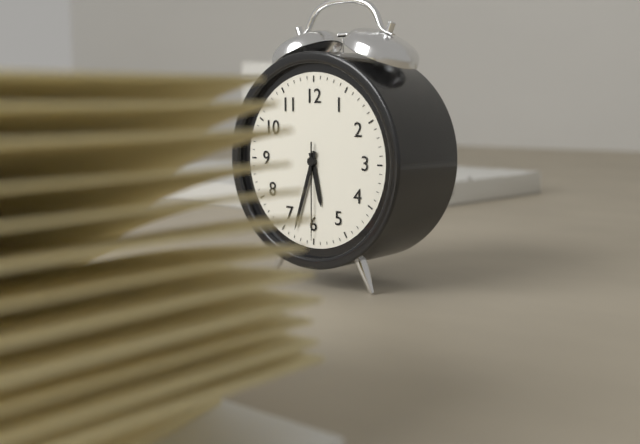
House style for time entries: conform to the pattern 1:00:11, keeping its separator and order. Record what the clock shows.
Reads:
5:33:30
